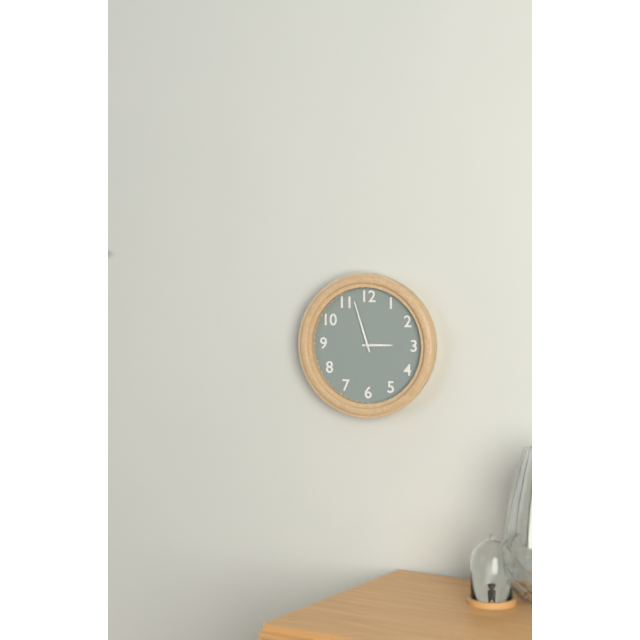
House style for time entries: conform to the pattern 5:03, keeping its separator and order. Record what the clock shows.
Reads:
2:57
